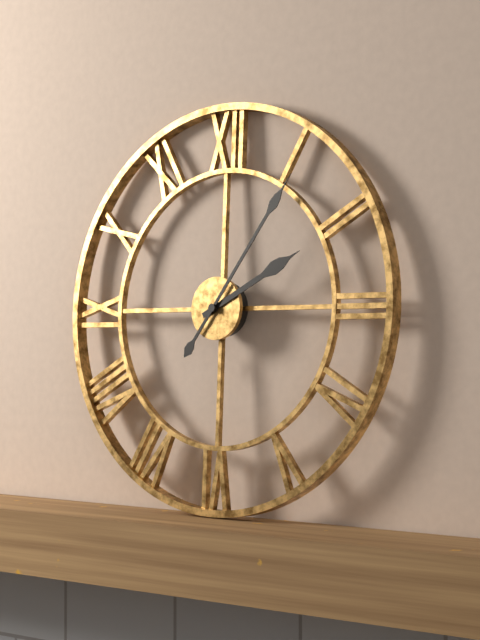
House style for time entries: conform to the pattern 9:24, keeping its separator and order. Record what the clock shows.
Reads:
2:06
